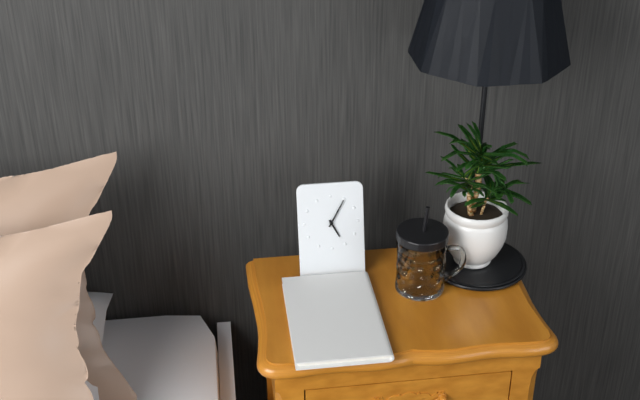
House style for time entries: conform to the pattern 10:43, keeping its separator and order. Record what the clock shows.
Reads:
5:05
